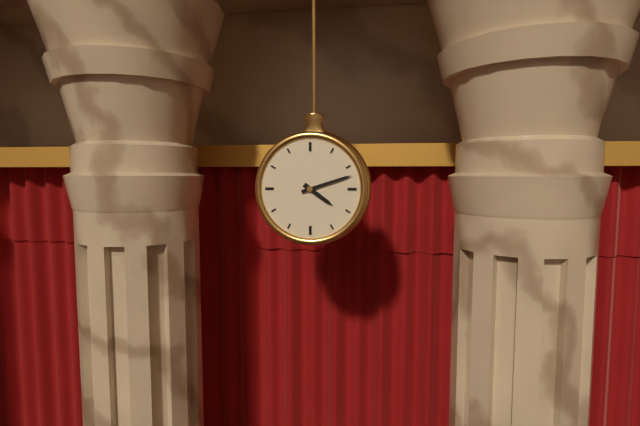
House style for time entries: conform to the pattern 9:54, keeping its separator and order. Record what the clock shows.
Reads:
4:12
